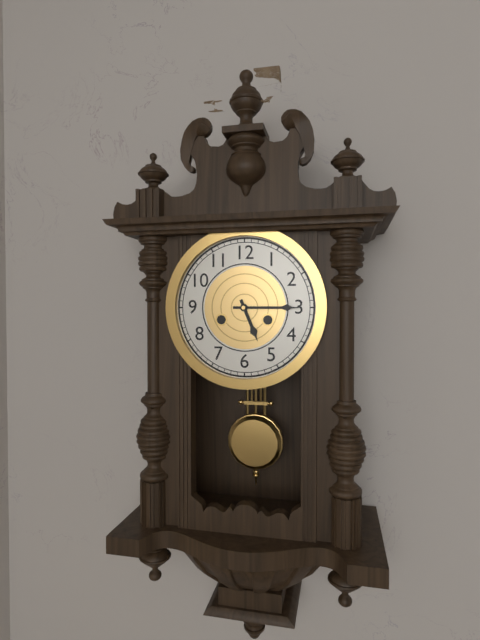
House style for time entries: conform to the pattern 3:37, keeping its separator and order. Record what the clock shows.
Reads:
5:15
